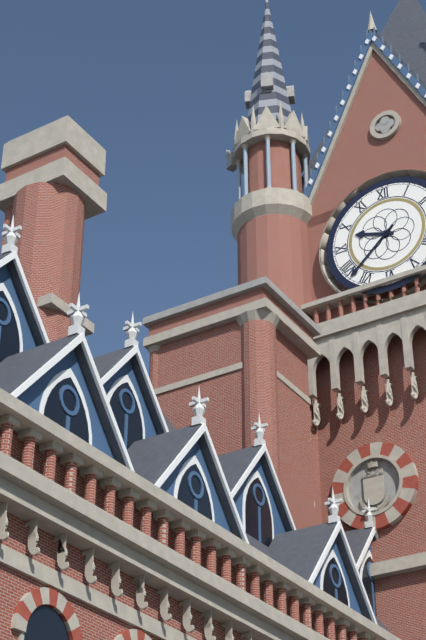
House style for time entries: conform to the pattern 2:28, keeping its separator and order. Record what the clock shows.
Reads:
9:38
